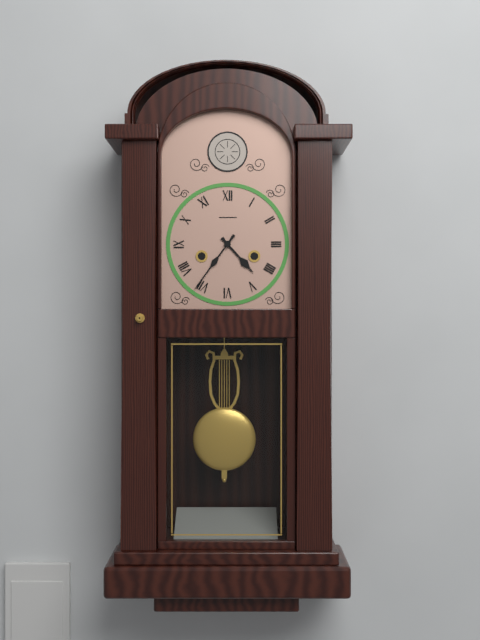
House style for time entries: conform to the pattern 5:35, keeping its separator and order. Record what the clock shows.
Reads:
4:36
